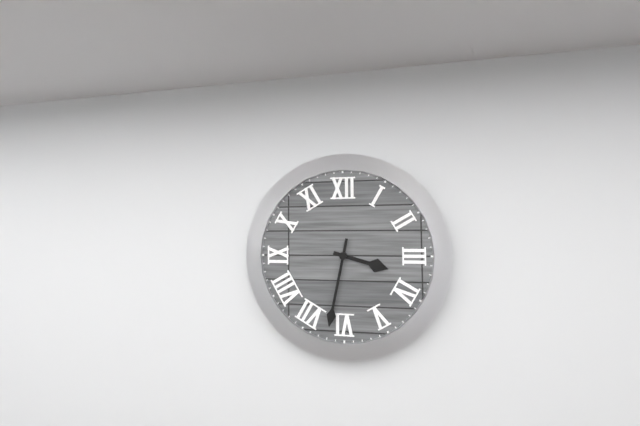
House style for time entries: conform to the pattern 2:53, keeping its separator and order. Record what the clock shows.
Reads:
3:32
